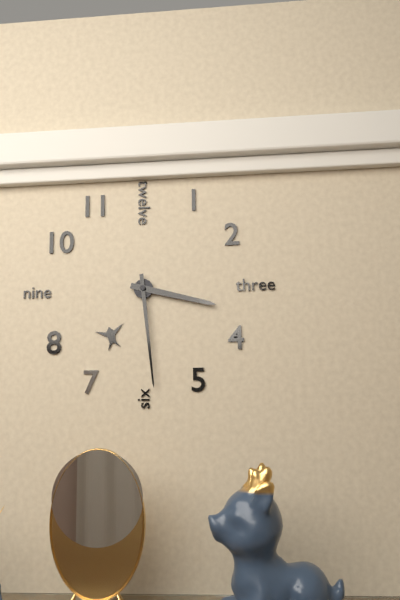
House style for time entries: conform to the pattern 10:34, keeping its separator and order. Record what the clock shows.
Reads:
3:29
